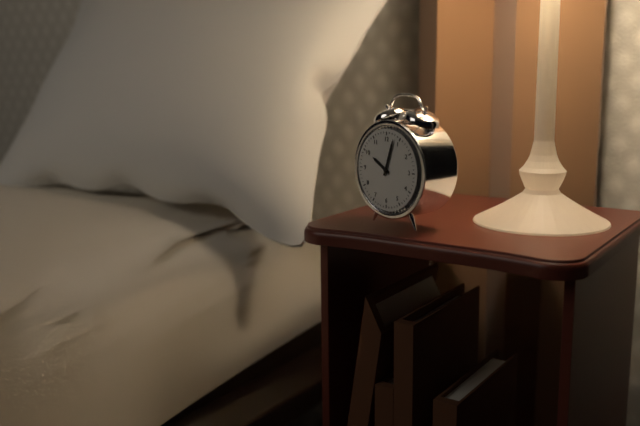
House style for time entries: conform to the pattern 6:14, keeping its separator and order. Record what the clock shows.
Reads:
10:03
